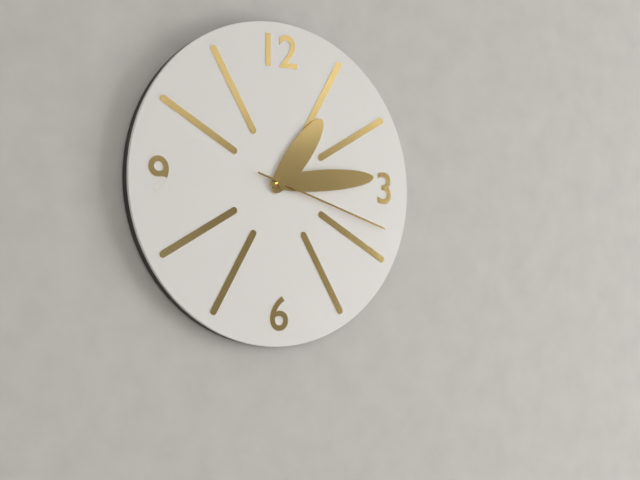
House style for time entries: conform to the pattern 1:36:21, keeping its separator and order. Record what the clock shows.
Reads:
1:14:18
